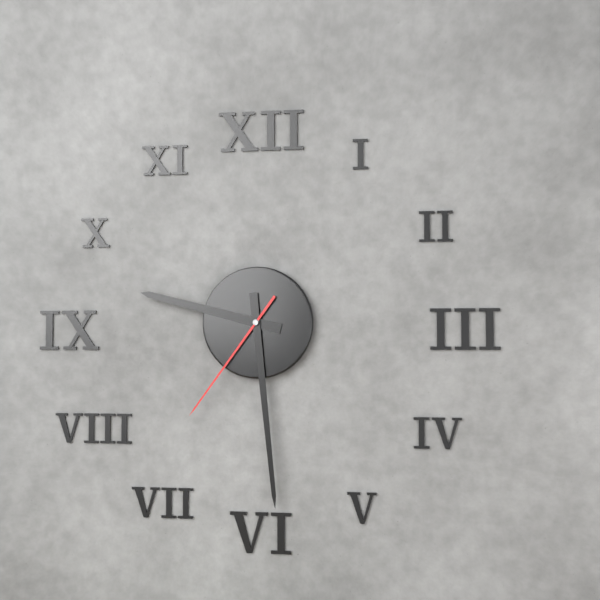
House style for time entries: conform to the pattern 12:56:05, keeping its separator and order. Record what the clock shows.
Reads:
9:29:36
